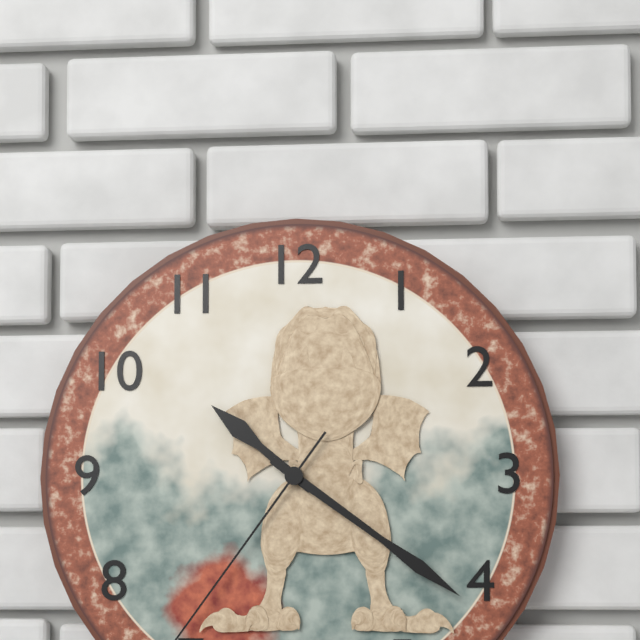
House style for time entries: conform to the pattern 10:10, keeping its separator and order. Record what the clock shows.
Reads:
10:21
